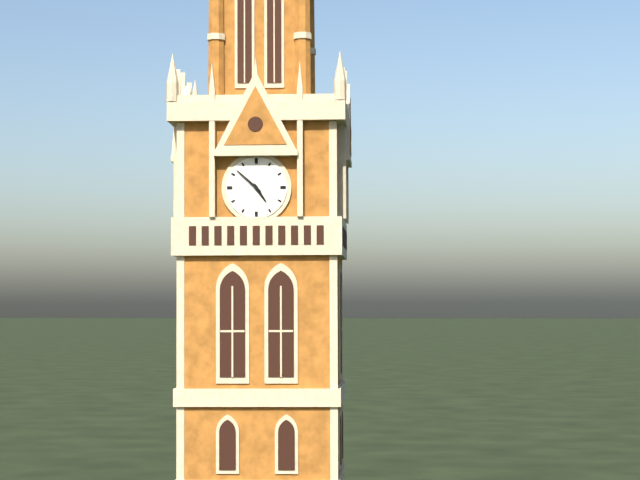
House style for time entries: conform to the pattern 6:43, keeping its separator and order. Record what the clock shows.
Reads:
4:52
